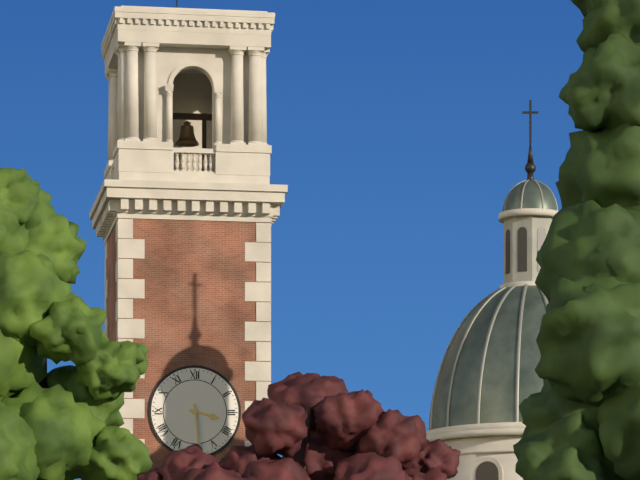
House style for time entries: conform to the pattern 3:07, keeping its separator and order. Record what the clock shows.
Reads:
3:29
